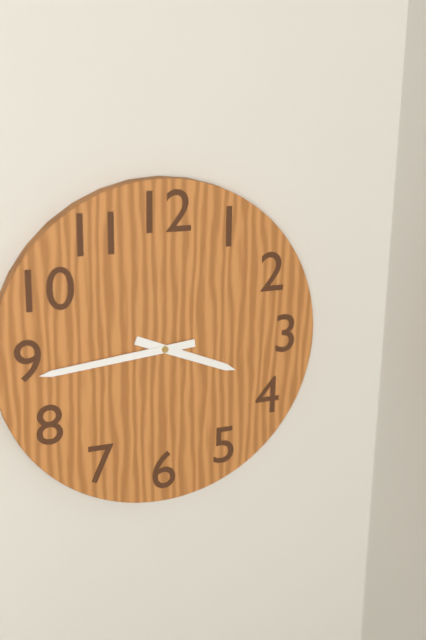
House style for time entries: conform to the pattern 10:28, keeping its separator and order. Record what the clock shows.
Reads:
3:44
